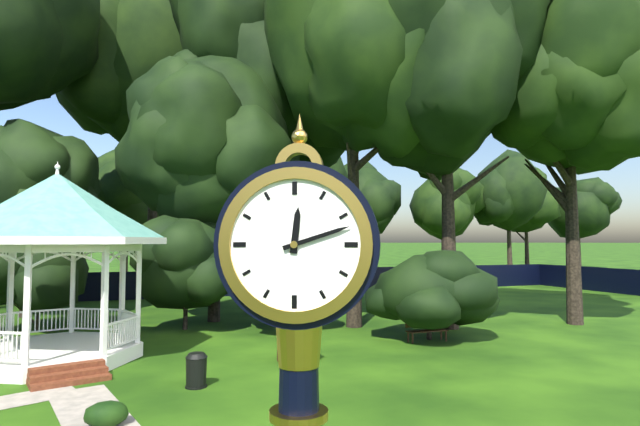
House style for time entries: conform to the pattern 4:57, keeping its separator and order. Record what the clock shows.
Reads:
12:12
